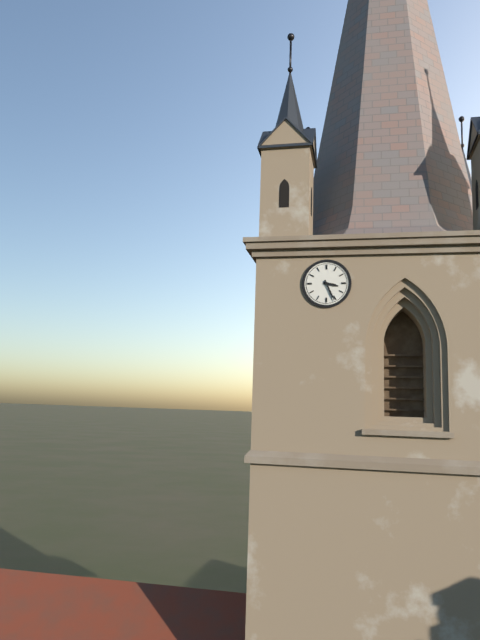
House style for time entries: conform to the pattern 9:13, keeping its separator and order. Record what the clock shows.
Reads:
3:26
